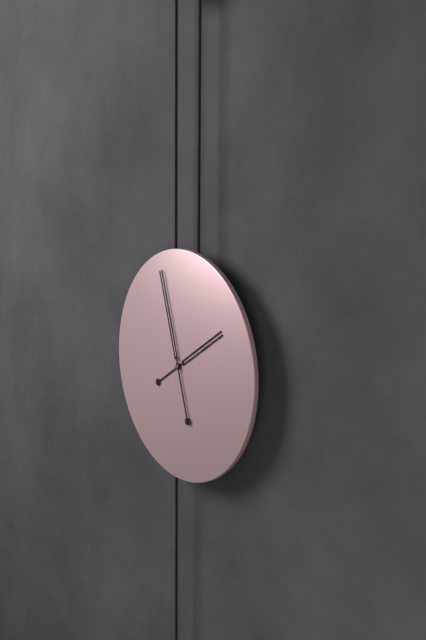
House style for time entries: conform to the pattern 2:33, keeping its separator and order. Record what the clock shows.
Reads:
1:57
